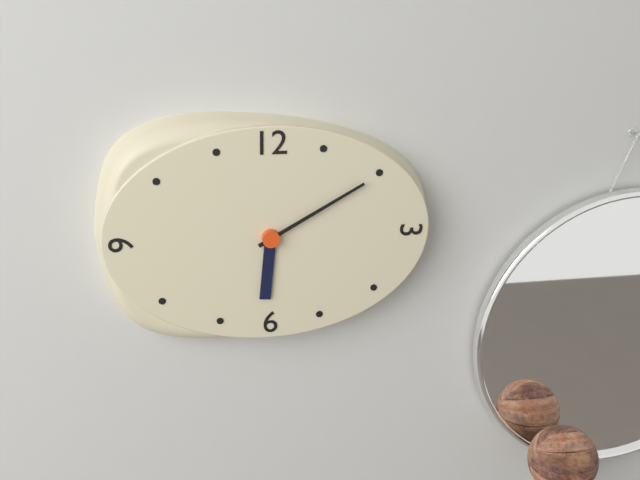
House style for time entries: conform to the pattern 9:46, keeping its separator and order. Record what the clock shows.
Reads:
6:10
